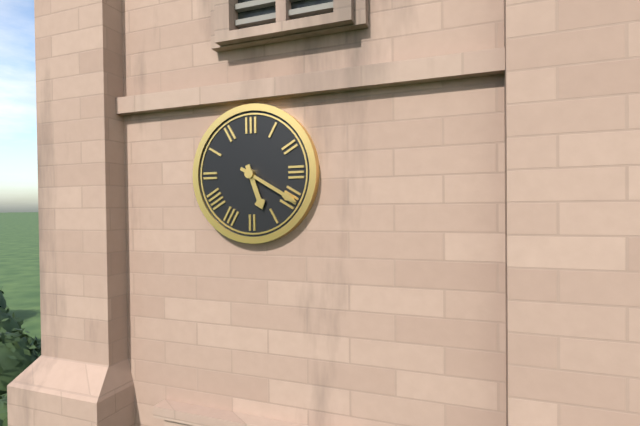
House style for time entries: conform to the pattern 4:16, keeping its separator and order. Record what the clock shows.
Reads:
5:20
